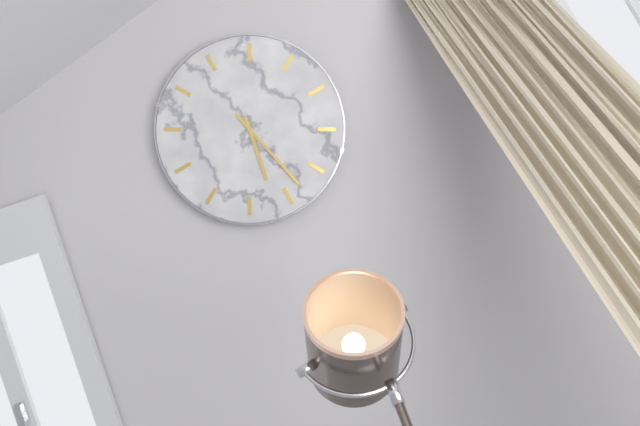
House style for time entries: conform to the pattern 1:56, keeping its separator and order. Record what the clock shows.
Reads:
5:23
